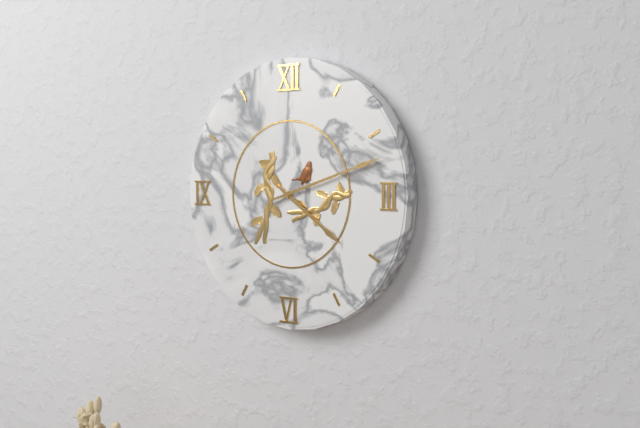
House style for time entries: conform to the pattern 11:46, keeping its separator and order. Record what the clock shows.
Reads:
4:12
